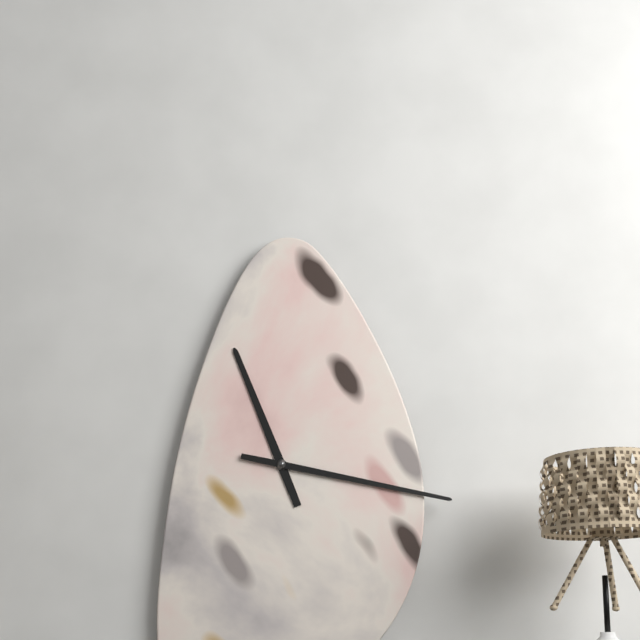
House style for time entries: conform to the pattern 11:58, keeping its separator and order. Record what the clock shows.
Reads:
11:17
